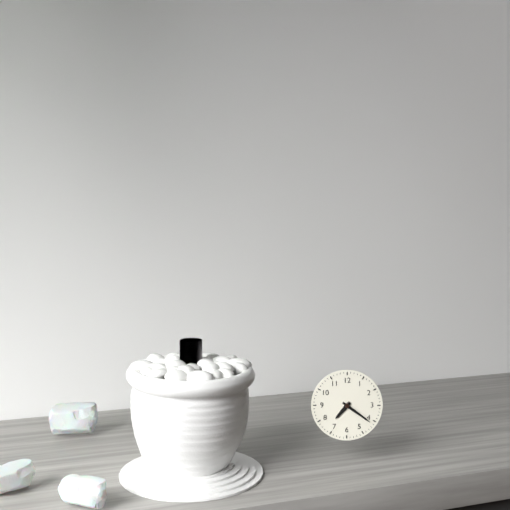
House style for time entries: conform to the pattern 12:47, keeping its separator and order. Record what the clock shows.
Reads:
7:21
